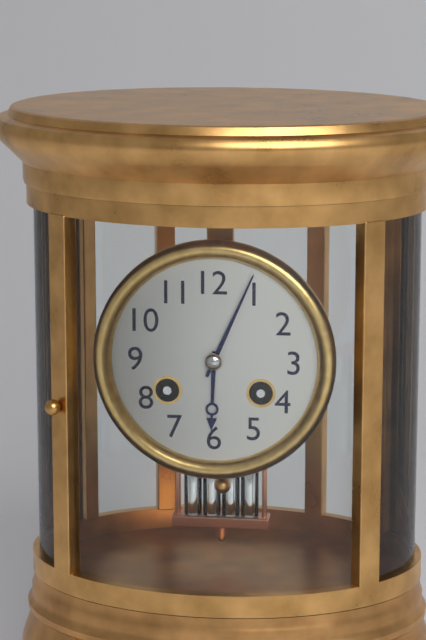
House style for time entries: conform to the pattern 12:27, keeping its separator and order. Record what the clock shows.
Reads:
6:04
